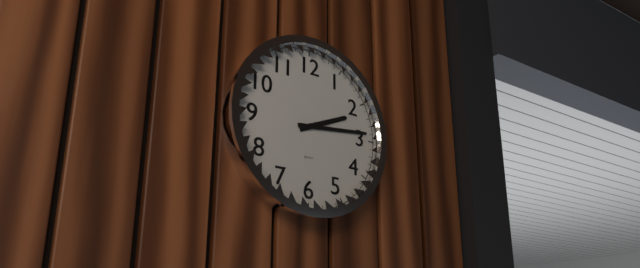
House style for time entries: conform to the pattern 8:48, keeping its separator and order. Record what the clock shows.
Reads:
2:14
